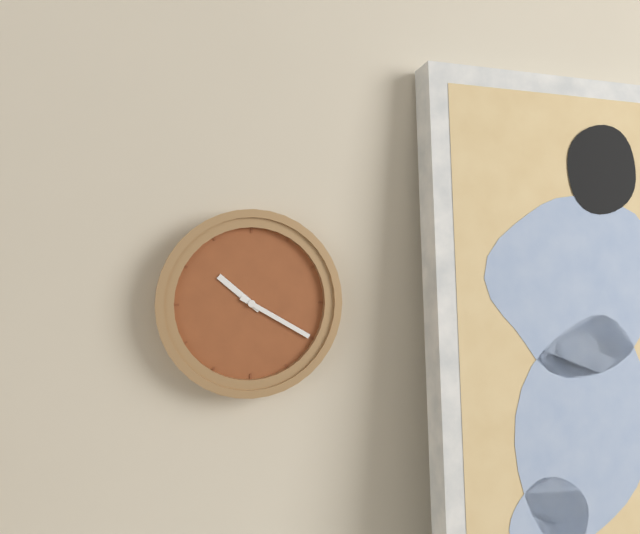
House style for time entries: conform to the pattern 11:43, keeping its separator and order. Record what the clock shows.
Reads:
10:20
